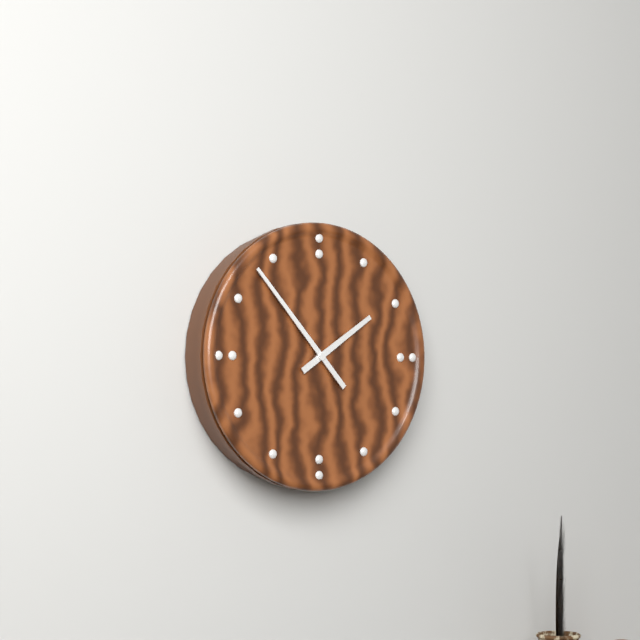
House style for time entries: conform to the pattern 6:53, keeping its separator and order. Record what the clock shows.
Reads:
1:53
